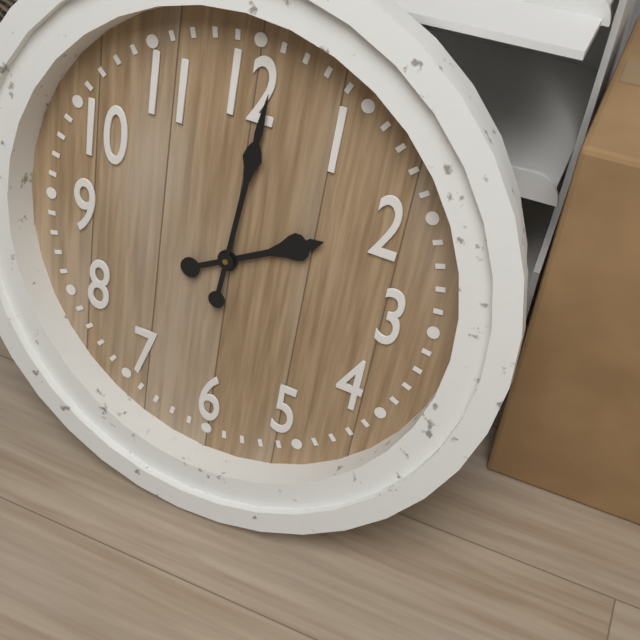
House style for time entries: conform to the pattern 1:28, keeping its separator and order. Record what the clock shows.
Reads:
2:01
